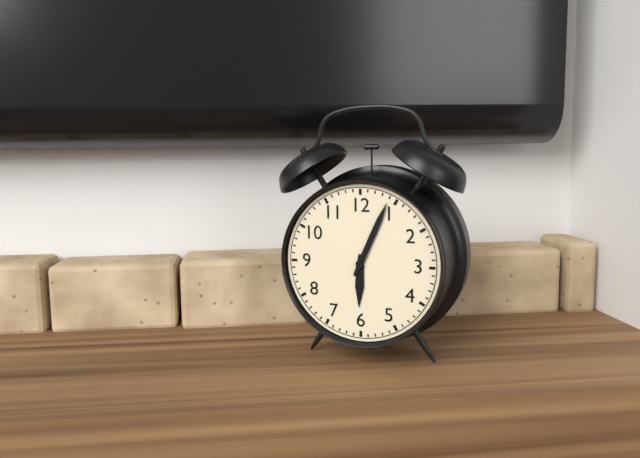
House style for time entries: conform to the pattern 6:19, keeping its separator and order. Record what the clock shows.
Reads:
6:04
